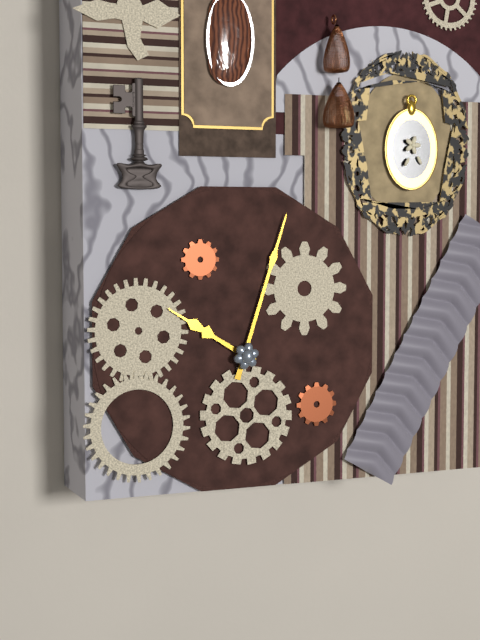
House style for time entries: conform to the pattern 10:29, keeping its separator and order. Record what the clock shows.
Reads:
10:03
